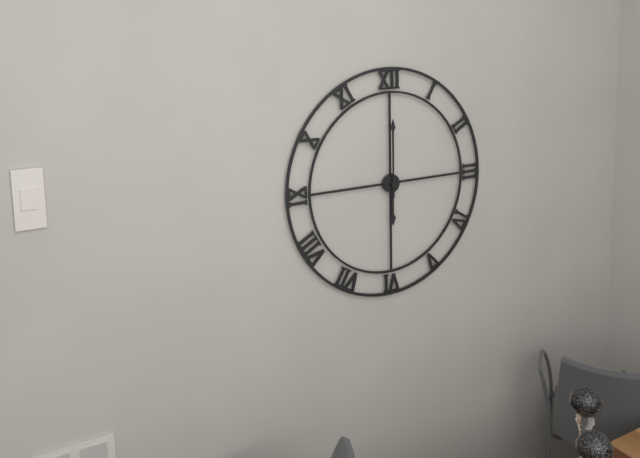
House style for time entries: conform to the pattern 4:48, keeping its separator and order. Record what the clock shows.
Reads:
6:00
